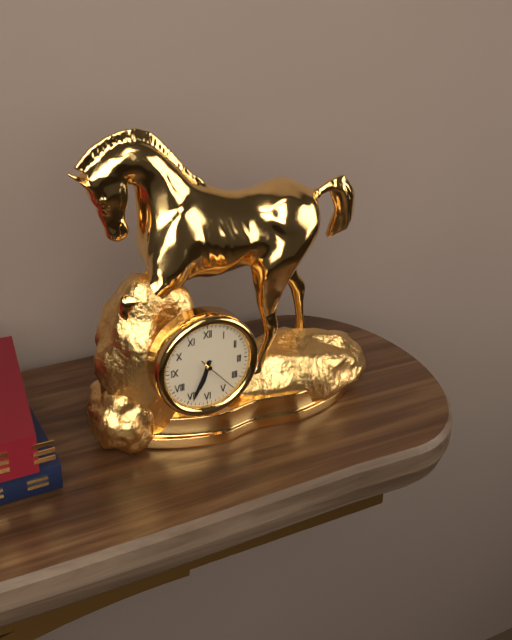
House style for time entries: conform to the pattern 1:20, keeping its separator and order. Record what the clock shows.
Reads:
6:34
